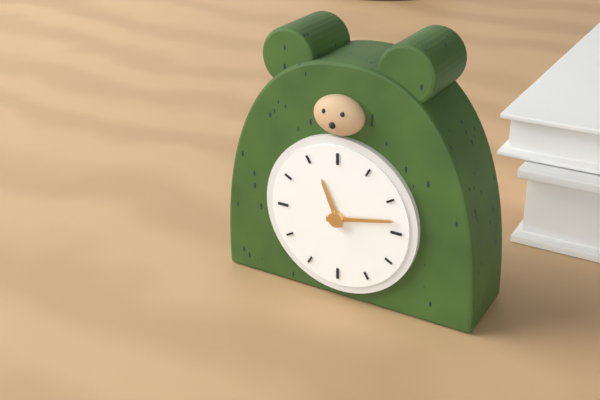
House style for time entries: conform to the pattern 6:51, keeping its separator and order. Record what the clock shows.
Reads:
11:13
